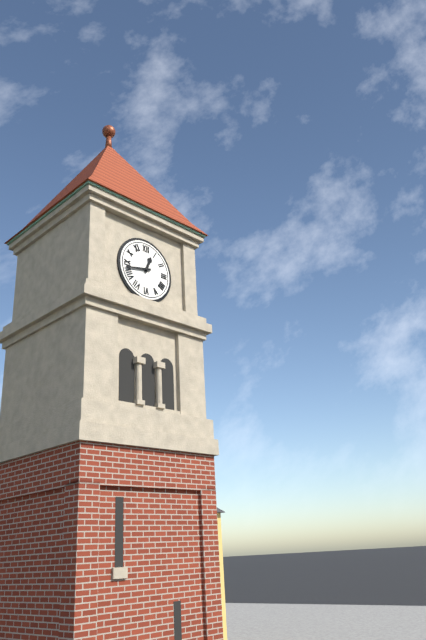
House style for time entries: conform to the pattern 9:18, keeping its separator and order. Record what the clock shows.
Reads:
12:43
